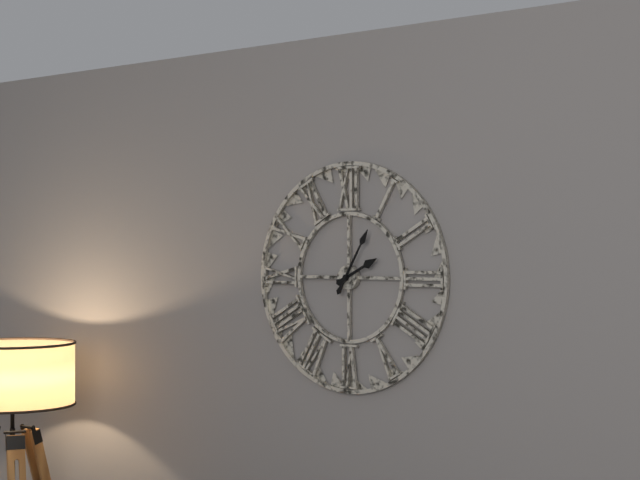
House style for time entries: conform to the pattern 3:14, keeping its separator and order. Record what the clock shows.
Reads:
2:05
